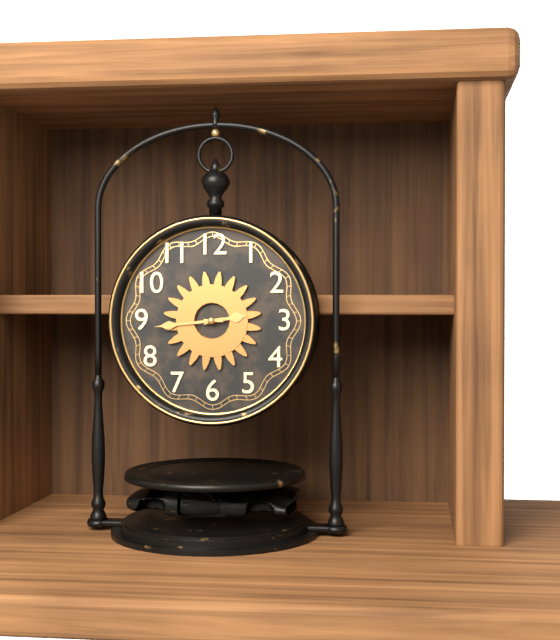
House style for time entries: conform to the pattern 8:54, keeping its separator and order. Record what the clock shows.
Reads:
2:44
